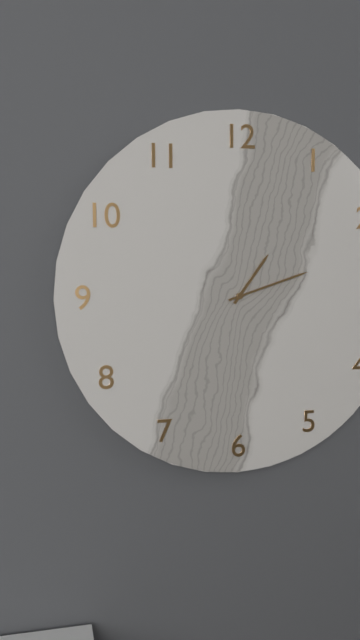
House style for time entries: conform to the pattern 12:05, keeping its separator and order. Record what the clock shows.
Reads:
1:12
